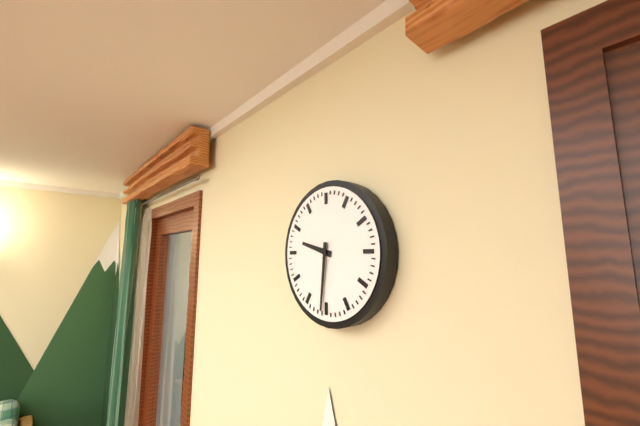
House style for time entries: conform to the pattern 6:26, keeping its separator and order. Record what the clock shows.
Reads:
9:31
